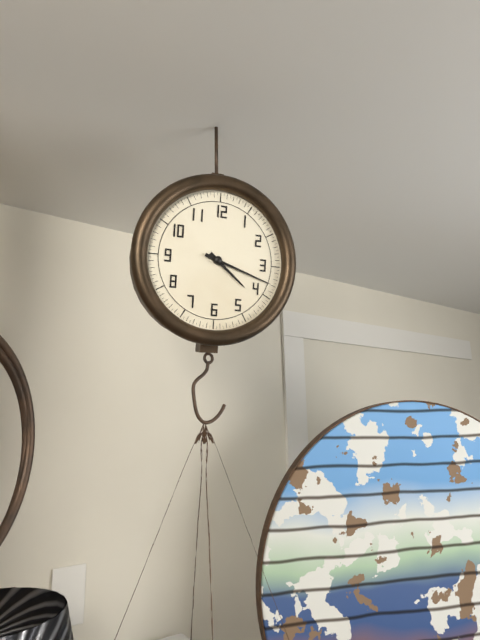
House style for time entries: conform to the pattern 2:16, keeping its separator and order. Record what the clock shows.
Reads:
4:18
